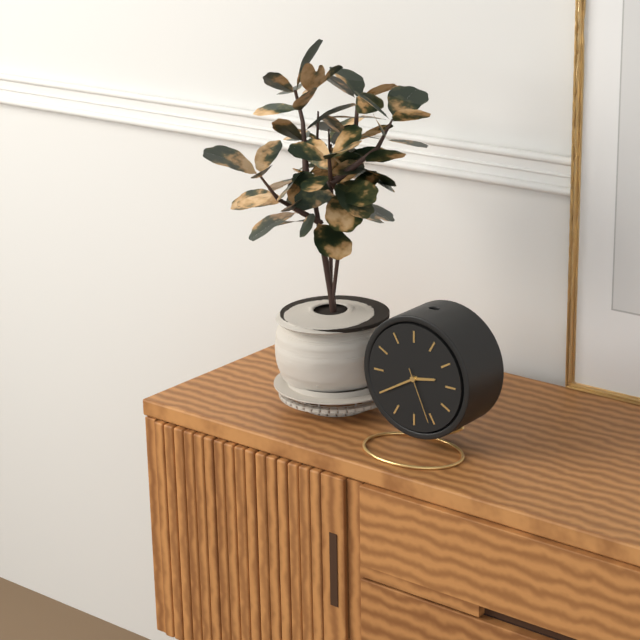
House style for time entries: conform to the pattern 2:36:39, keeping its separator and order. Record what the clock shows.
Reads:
2:40:26
